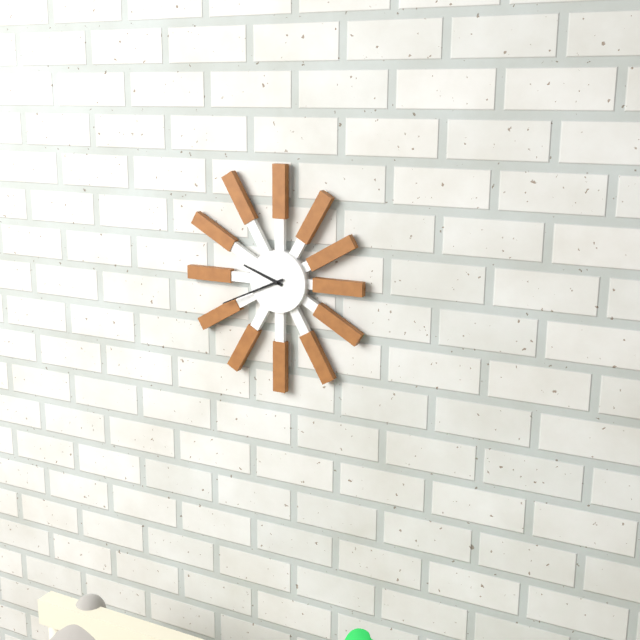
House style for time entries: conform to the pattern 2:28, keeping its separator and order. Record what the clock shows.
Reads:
9:41
